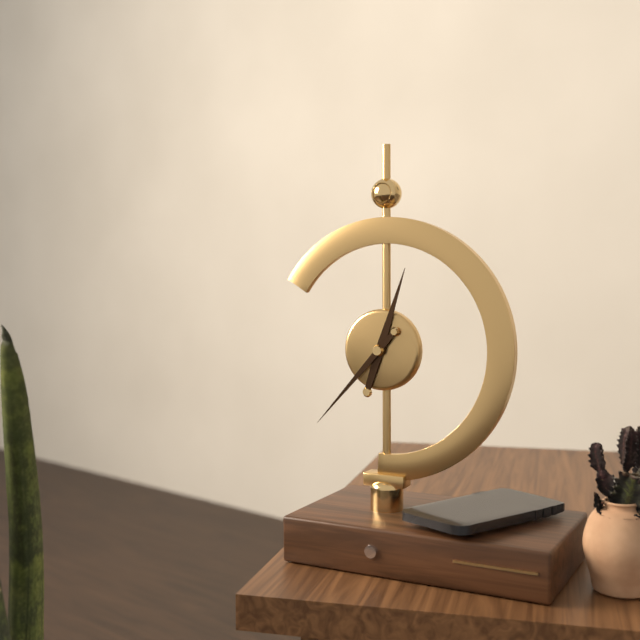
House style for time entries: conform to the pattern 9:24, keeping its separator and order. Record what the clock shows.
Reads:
12:37
